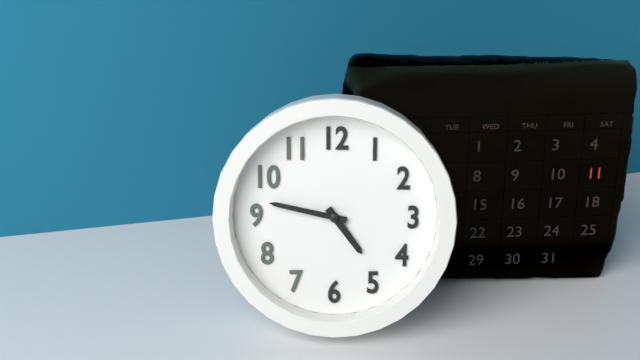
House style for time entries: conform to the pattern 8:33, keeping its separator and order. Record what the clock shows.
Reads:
4:47
